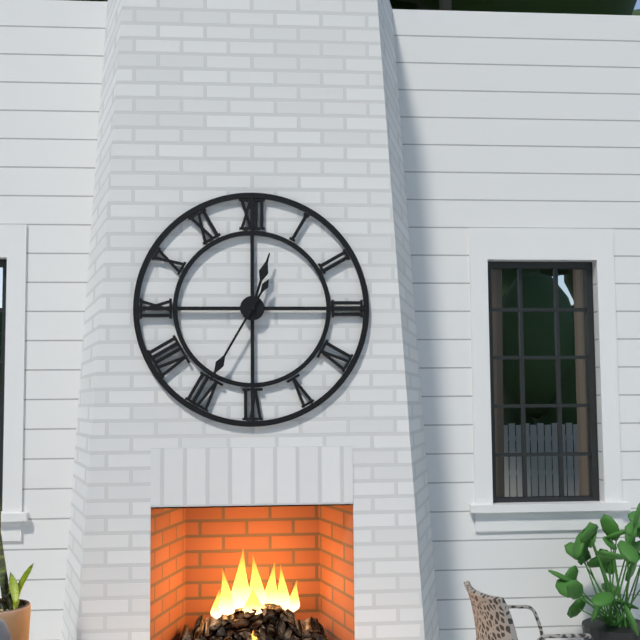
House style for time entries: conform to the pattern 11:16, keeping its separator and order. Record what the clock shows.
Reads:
12:35
